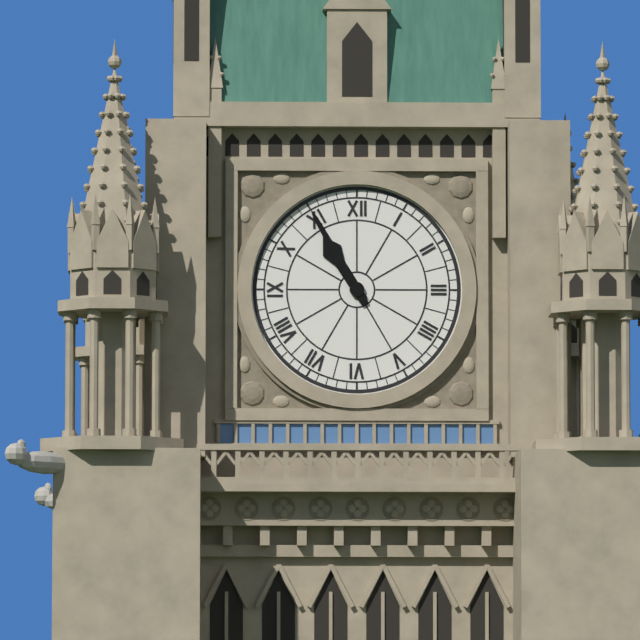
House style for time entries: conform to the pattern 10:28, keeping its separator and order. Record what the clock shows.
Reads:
10:55
